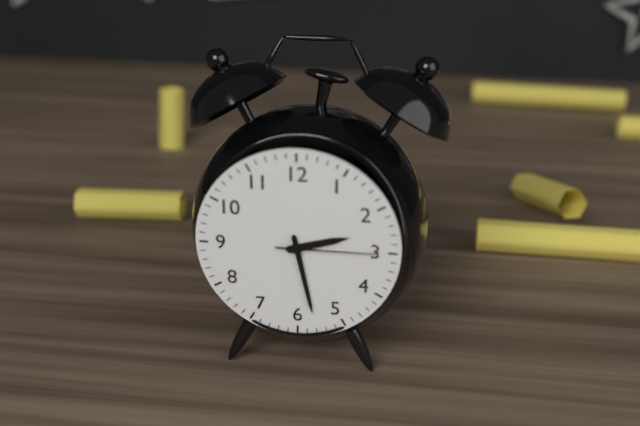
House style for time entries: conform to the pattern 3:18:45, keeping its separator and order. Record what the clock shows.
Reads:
2:28:15
